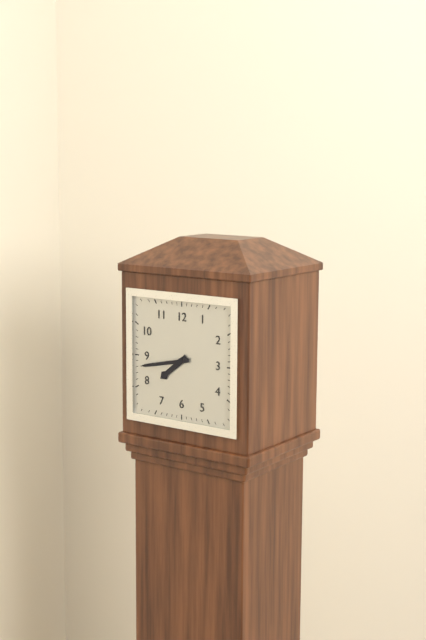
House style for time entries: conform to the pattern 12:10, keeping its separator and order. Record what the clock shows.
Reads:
7:43
